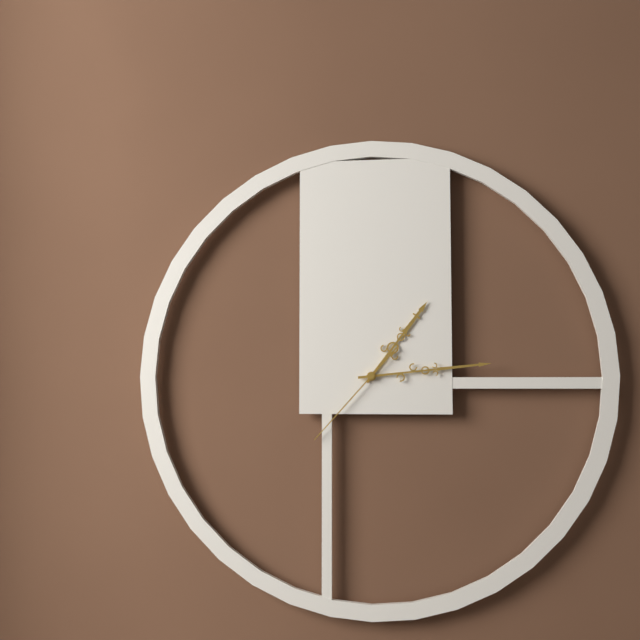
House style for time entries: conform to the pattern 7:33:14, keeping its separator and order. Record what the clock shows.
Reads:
1:14:37
